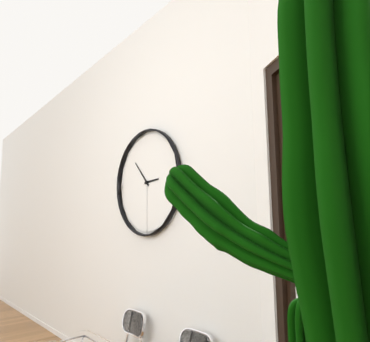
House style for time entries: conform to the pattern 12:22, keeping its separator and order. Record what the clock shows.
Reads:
2:53
